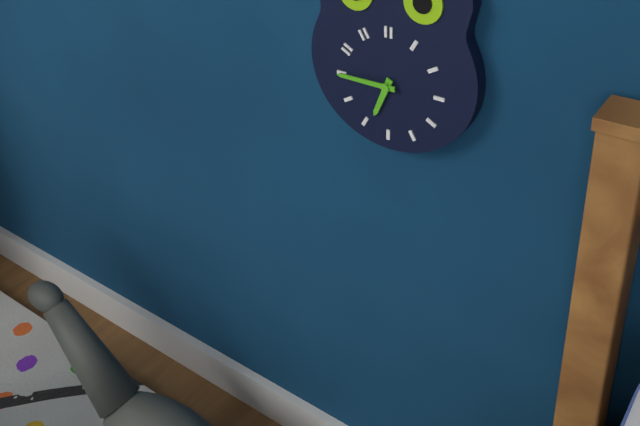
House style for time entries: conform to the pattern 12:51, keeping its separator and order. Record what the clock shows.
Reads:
6:45
